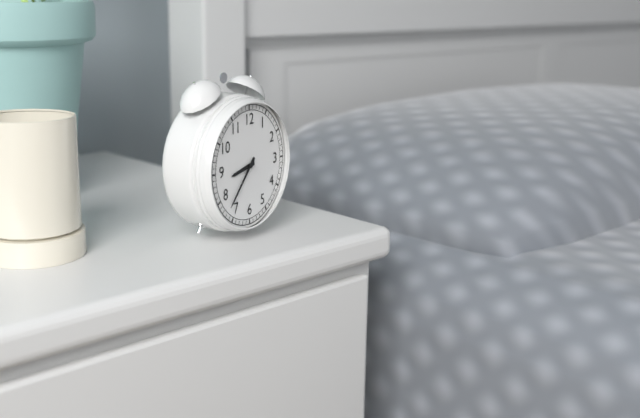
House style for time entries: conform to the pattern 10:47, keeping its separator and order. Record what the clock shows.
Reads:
8:37
